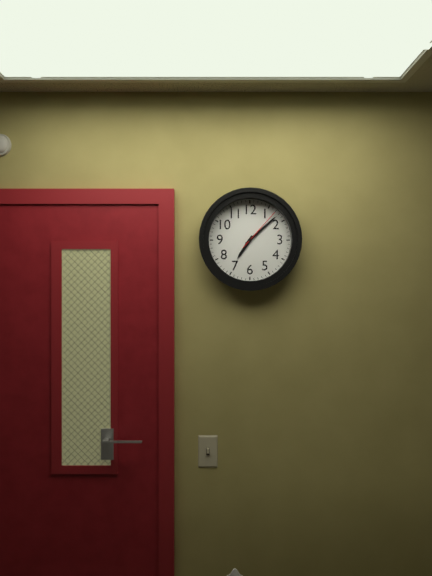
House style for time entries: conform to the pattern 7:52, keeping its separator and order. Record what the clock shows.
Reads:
7:08
